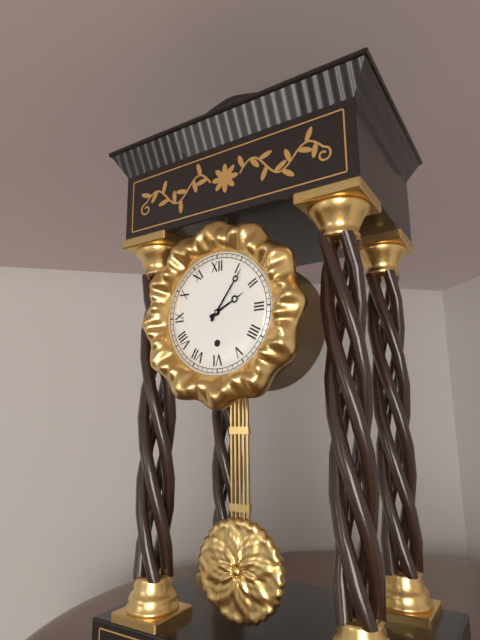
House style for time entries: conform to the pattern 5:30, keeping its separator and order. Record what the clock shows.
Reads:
2:06
